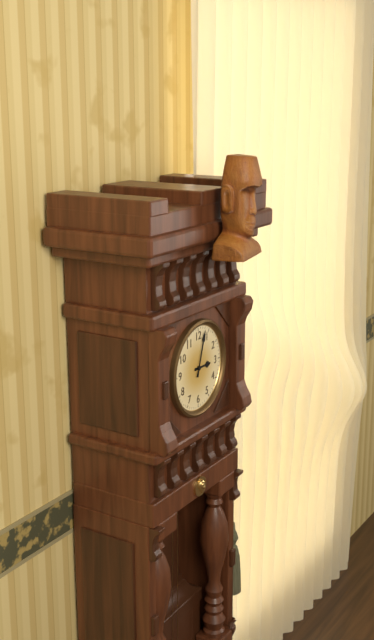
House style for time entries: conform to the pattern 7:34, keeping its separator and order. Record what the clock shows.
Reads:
3:03
